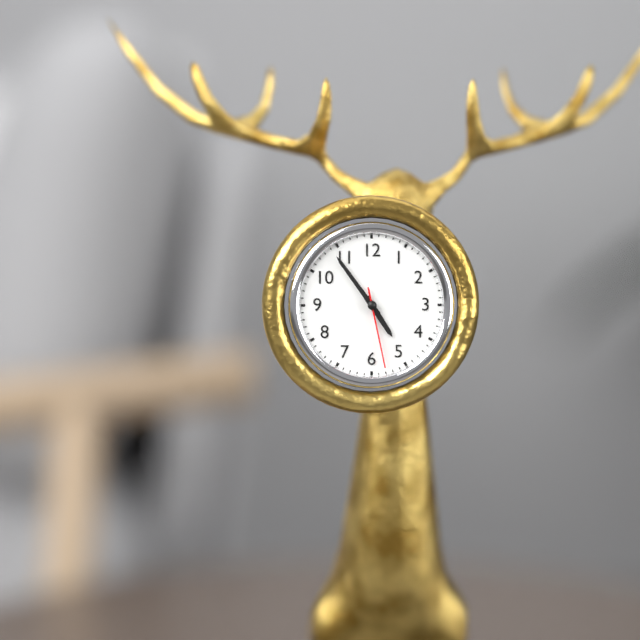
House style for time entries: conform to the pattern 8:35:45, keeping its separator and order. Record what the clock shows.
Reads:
4:54:28
